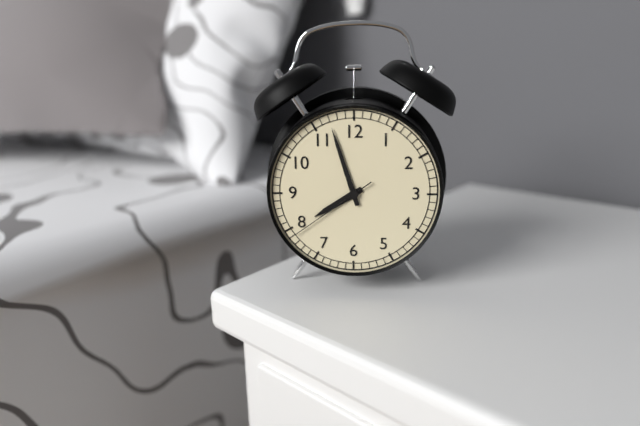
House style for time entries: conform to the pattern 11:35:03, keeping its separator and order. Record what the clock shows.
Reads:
7:57:39
